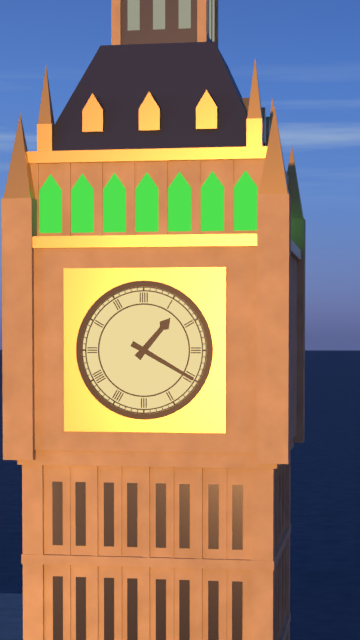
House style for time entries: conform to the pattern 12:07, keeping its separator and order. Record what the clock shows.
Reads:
1:20
